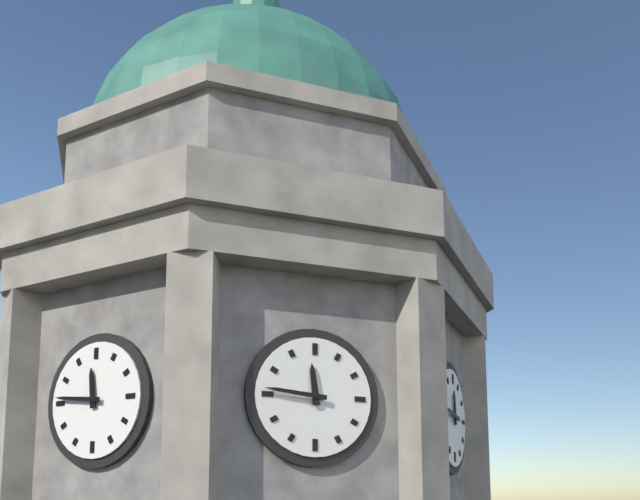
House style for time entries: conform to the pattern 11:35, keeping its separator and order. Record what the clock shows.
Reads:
11:46
